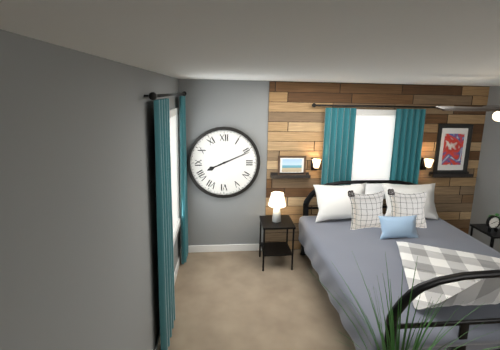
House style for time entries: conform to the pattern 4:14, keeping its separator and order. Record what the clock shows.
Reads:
8:11
